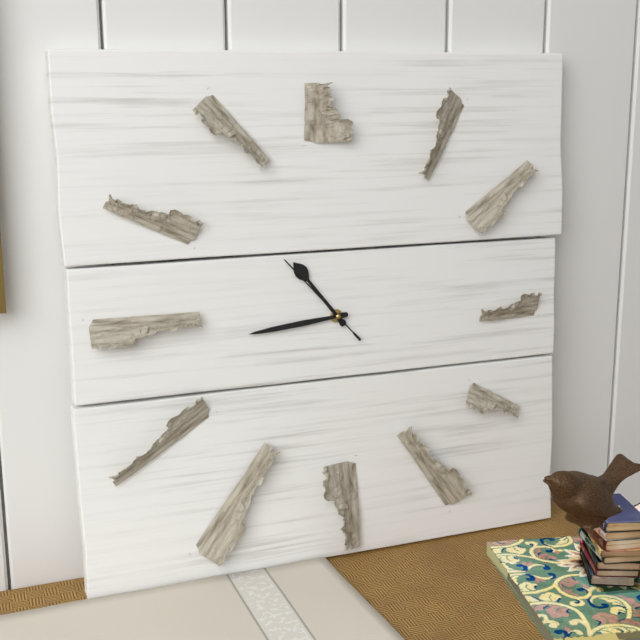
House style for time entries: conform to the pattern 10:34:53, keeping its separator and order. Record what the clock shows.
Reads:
10:44:53
